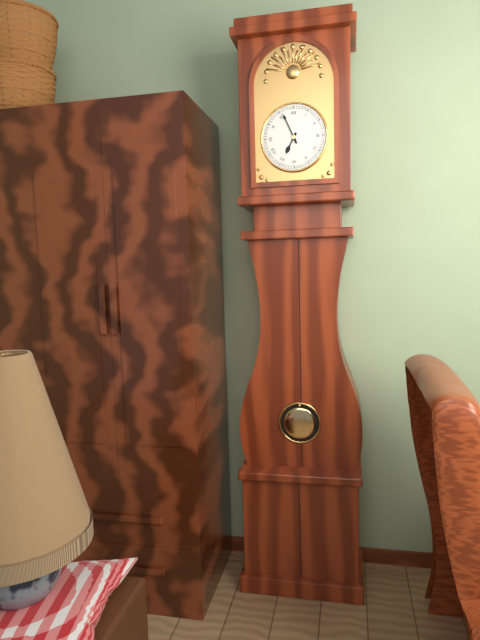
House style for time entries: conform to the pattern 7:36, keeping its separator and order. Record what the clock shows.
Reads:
6:56
